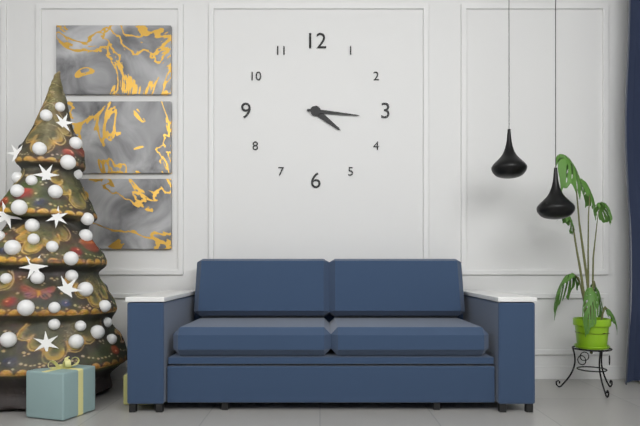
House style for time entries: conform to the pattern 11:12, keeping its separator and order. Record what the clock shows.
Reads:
4:16
